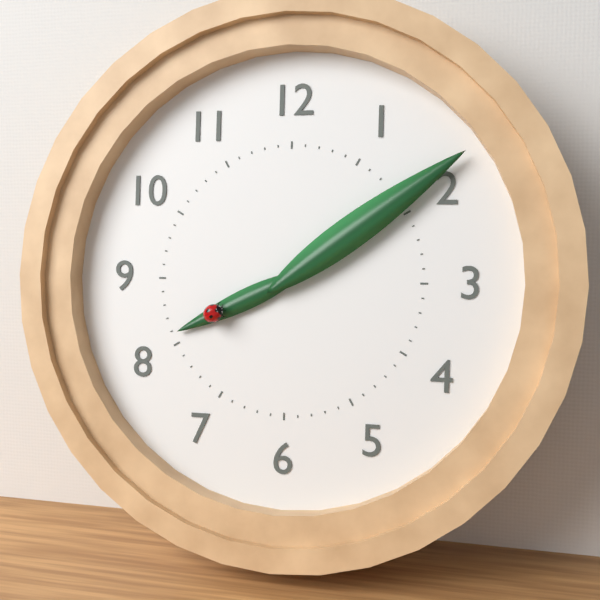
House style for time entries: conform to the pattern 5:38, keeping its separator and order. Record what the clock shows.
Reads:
8:09
